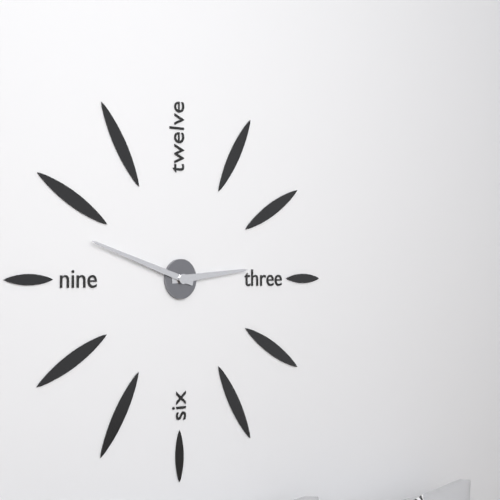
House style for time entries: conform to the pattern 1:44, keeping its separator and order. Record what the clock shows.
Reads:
2:48
